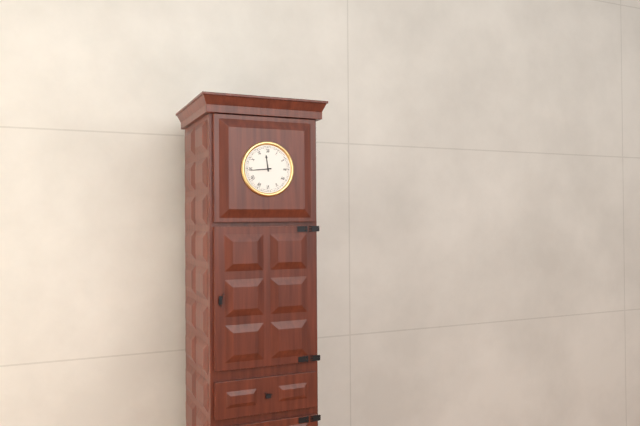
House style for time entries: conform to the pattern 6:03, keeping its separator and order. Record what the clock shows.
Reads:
11:44
